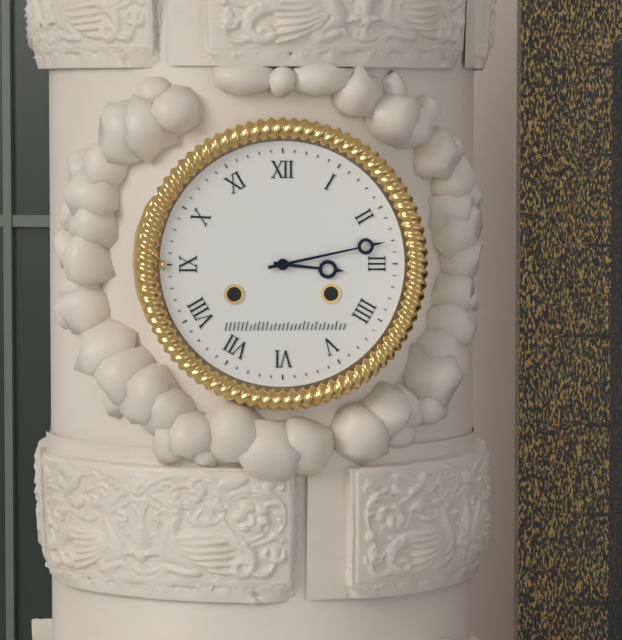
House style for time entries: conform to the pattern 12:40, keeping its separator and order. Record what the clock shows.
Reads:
3:13
